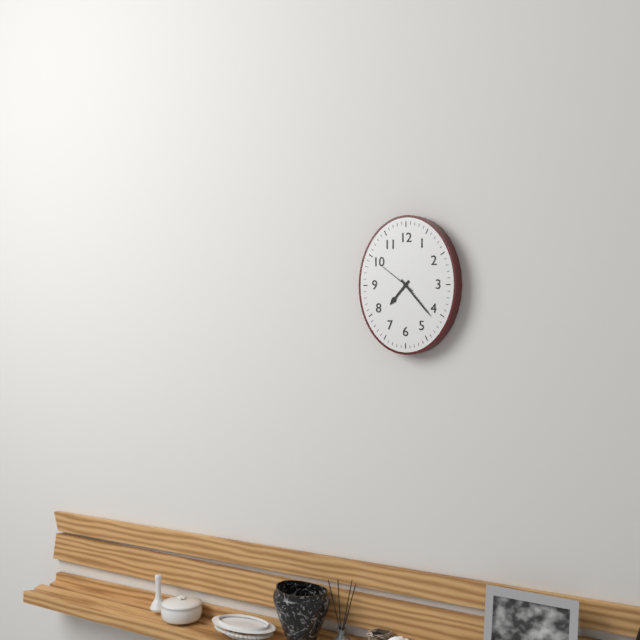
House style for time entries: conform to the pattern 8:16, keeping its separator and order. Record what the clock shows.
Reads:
7:23
